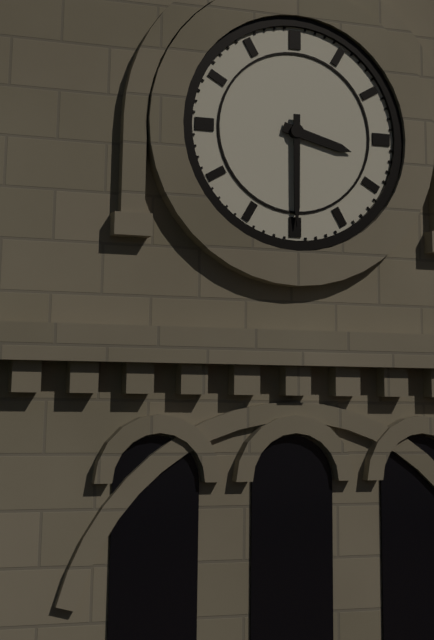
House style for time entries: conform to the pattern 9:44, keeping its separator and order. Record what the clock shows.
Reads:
3:30
